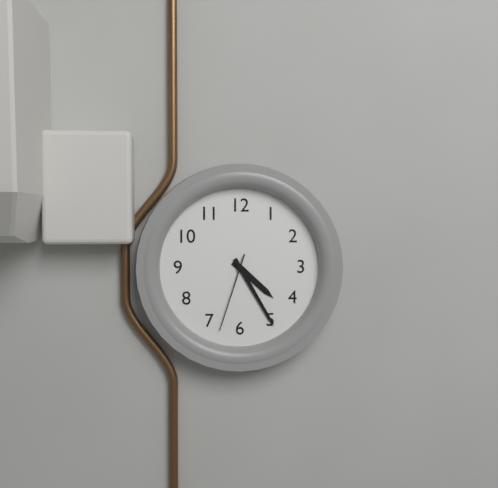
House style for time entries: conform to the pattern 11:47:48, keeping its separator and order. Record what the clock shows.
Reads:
4:25:33
